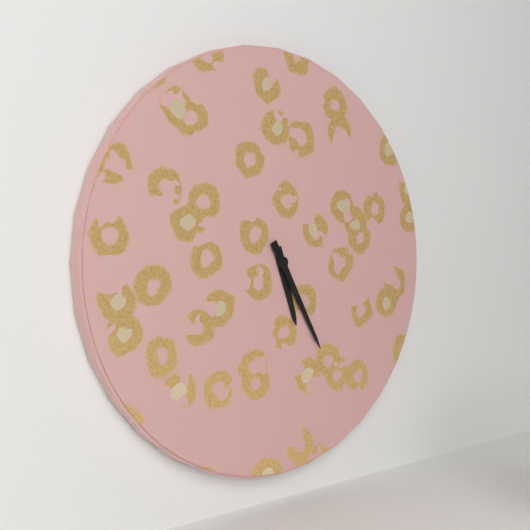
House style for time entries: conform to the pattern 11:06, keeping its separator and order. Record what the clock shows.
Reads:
5:25
